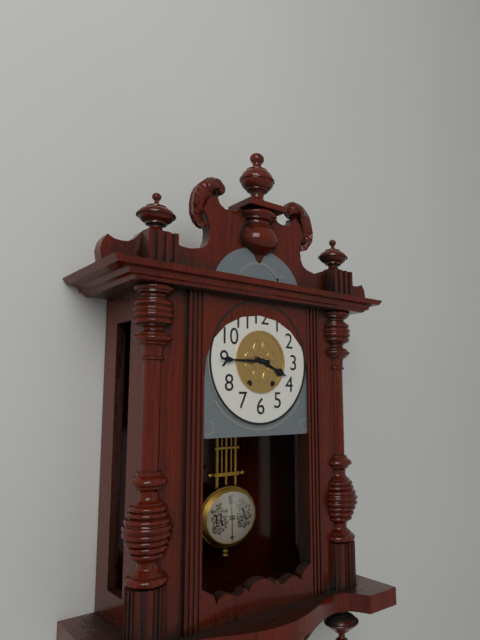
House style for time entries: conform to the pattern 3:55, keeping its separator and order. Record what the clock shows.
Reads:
3:45
